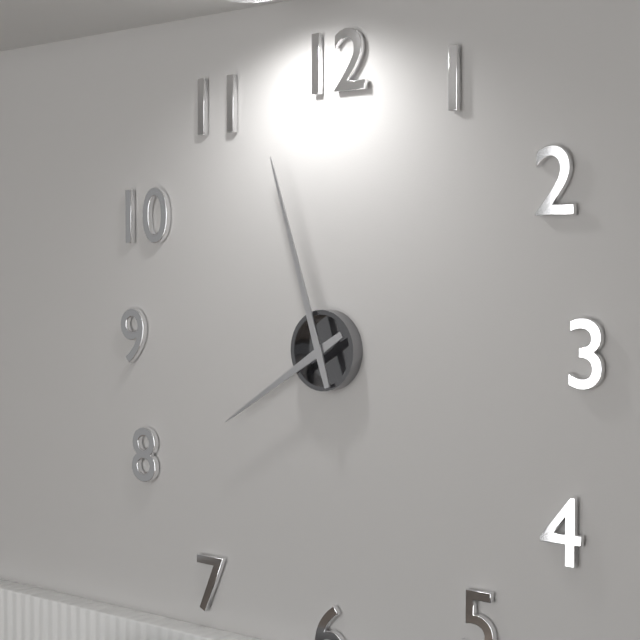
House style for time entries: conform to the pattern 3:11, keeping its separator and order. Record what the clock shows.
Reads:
7:57
